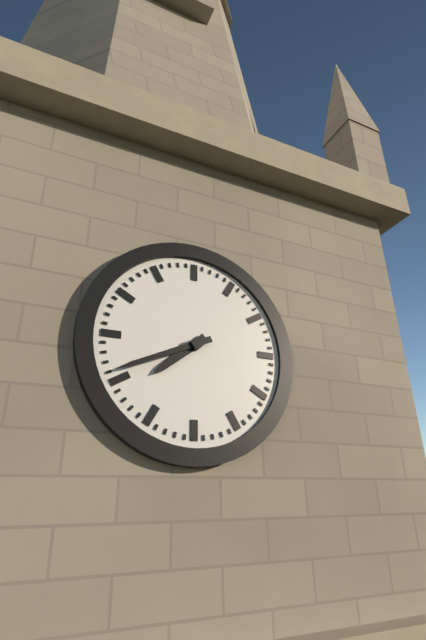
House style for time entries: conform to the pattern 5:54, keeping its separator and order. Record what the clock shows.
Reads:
7:41
